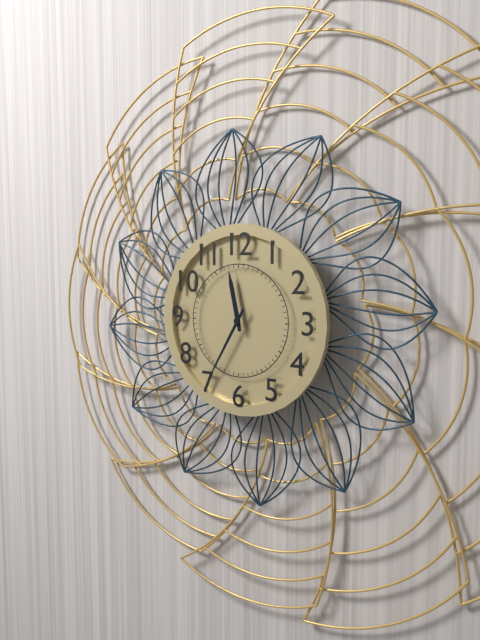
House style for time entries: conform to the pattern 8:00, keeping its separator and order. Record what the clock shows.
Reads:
11:35
